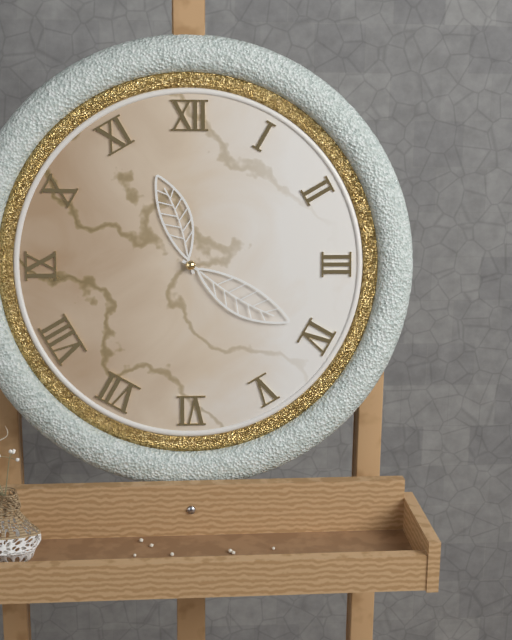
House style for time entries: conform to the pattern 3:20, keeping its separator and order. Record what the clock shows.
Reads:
11:20
